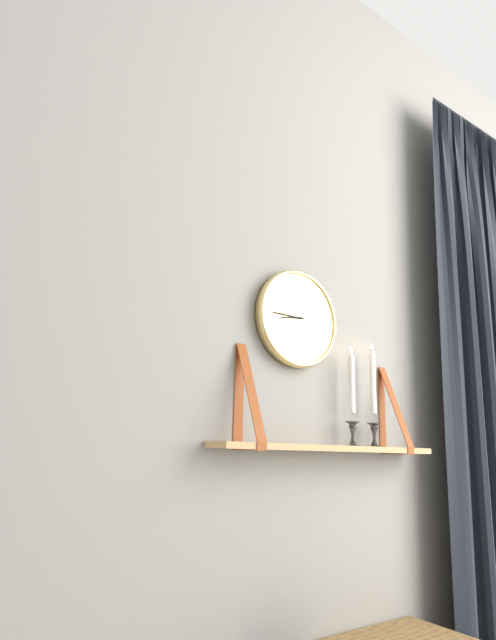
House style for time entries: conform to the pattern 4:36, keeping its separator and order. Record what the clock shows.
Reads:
8:45
